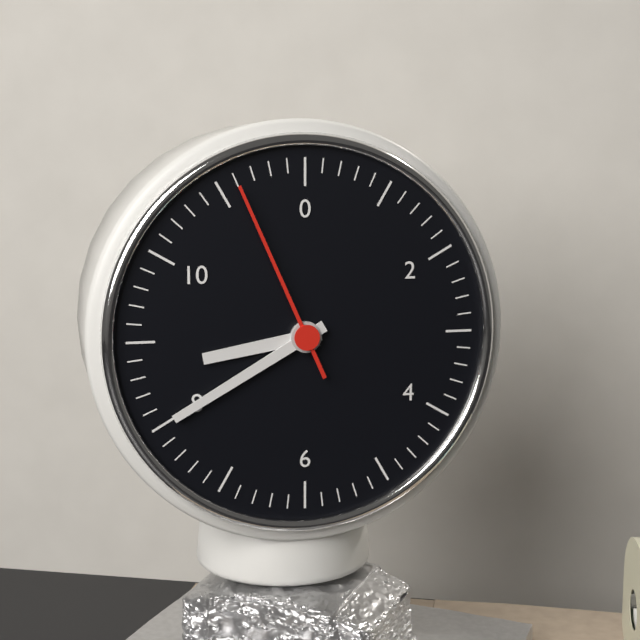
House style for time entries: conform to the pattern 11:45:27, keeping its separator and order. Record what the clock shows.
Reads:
8:40:56
